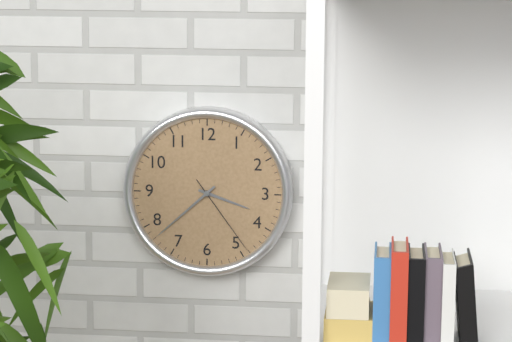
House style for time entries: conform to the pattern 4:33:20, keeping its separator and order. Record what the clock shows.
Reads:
3:38:24
